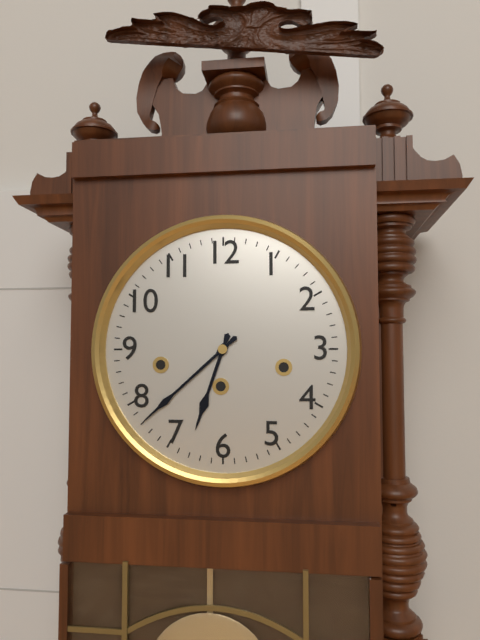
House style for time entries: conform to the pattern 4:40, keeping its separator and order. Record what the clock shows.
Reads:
6:38
